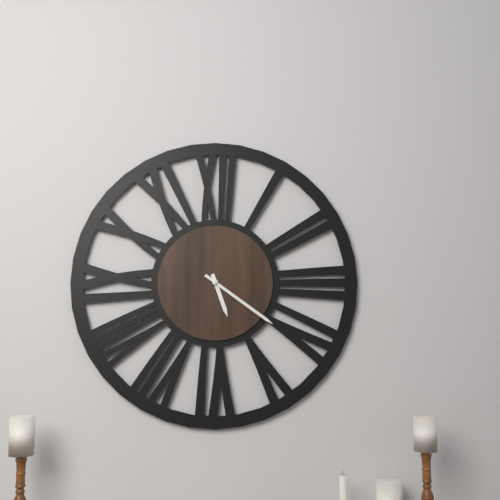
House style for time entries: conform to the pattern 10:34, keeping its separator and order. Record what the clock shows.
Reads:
5:21
